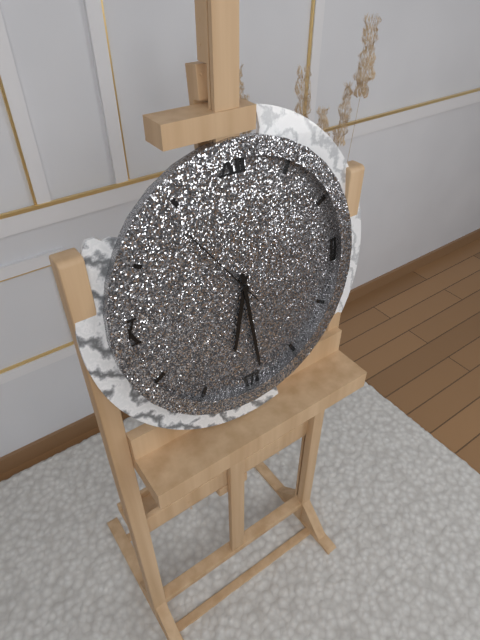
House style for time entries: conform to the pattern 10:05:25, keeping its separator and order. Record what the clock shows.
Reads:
6:29:54
